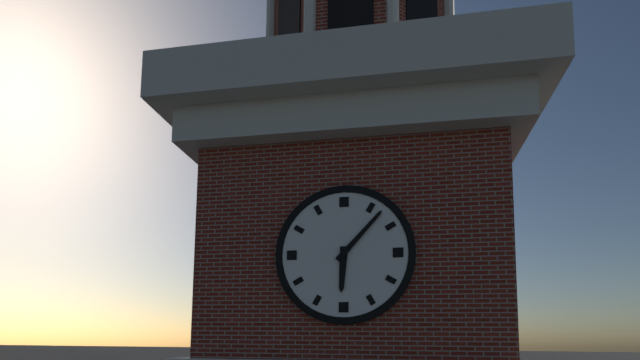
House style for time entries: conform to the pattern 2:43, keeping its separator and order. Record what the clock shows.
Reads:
6:07
